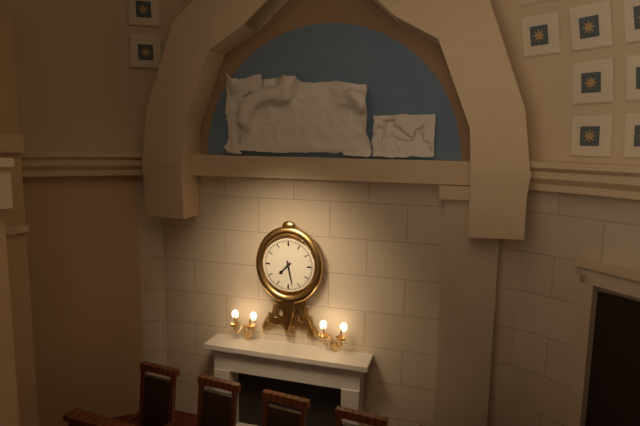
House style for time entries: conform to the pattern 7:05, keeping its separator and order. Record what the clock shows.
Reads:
7:28
